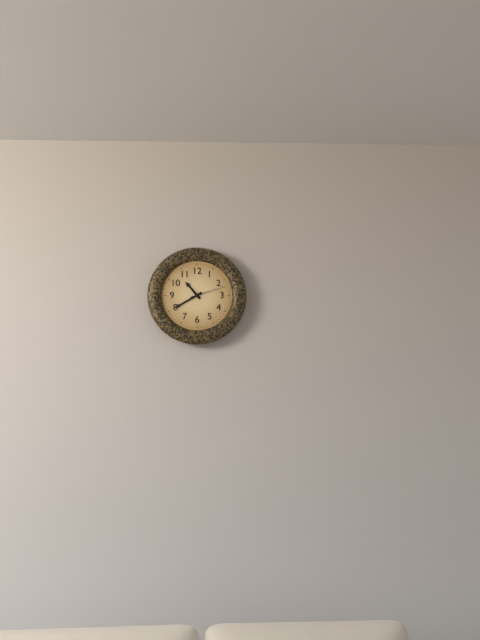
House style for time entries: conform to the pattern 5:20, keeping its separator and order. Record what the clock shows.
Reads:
10:40
